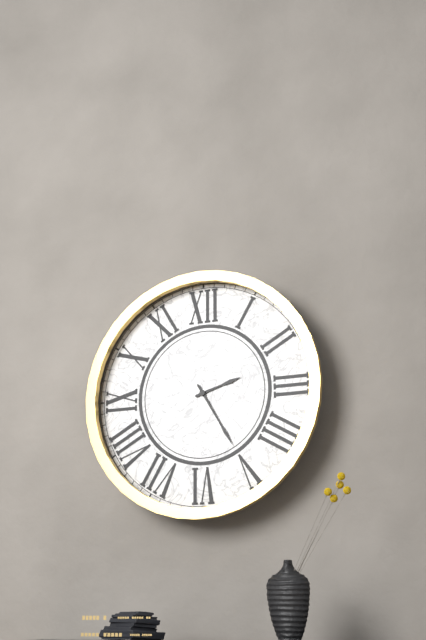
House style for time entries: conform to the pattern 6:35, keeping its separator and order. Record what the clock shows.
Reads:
2:25
